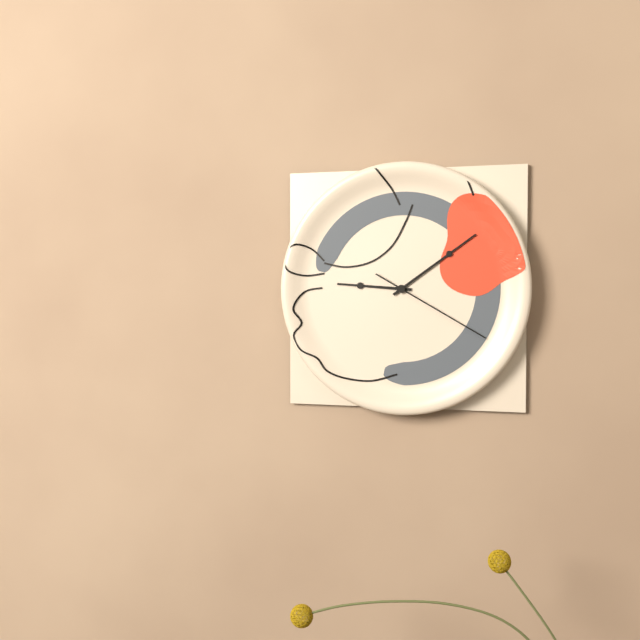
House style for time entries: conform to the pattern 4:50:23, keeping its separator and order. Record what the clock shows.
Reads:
9:09:20
